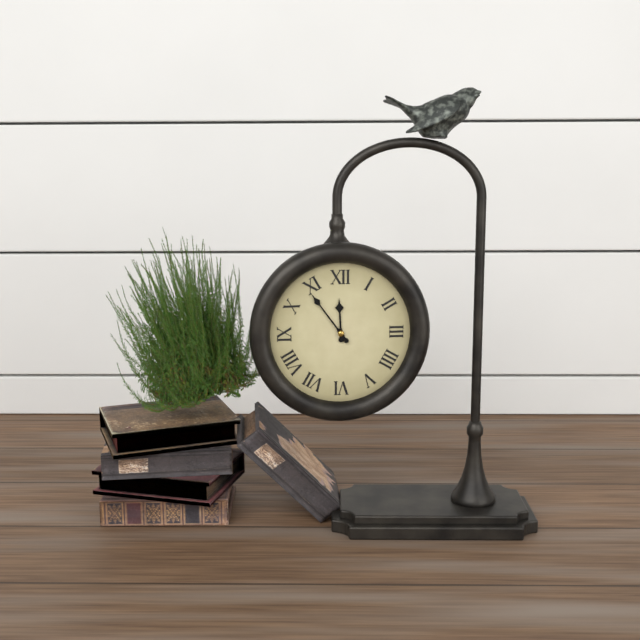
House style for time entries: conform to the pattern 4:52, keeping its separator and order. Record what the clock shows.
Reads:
11:54
